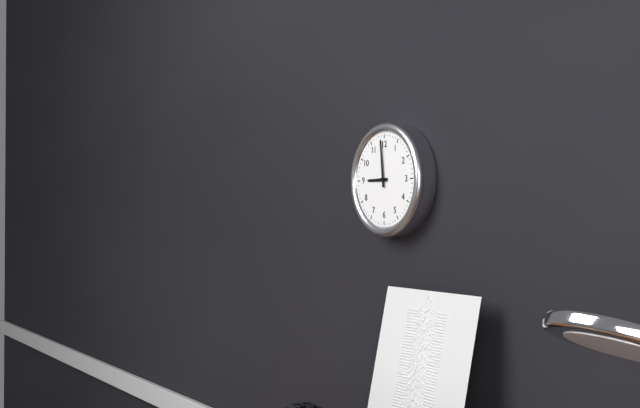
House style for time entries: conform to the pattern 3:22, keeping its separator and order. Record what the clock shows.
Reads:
8:59
